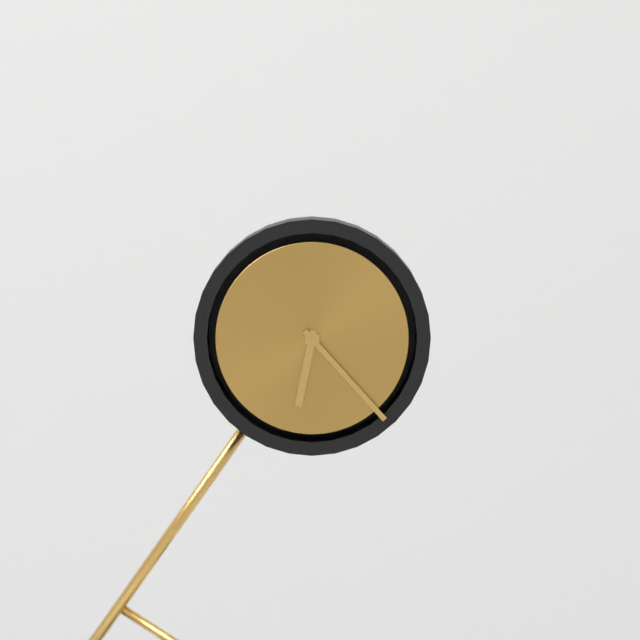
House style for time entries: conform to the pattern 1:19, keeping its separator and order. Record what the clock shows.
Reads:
6:23
